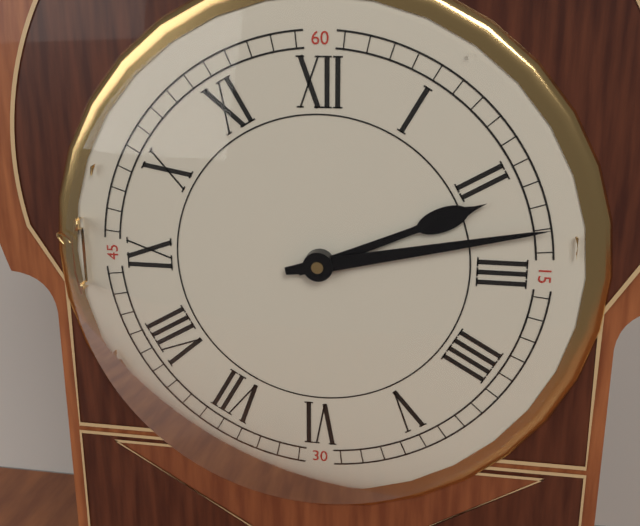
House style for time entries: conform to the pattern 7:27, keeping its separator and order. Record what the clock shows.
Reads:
2:13
